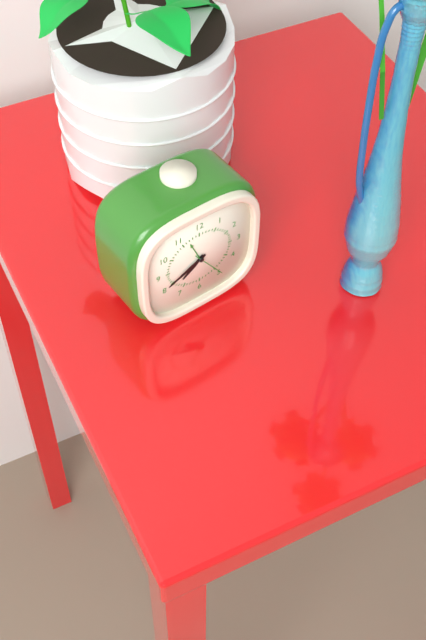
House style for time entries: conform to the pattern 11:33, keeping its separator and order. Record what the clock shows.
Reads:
7:41
